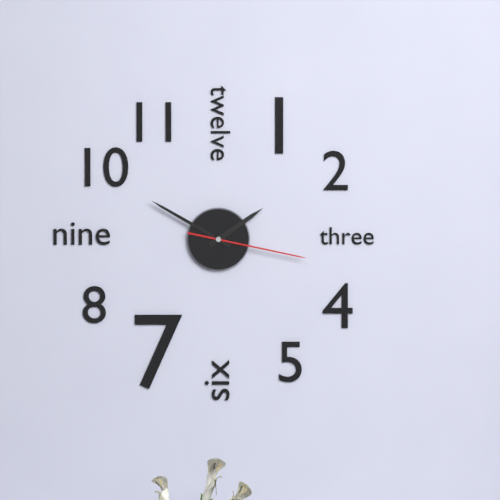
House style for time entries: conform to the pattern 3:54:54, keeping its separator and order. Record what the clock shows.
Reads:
1:50:17
